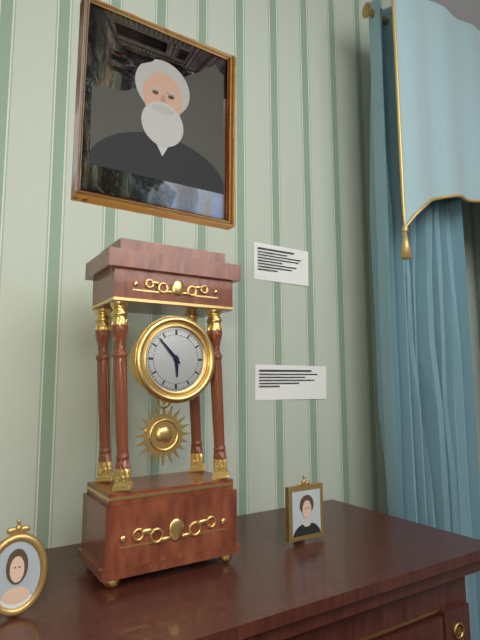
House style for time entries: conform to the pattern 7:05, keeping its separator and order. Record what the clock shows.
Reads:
5:53
